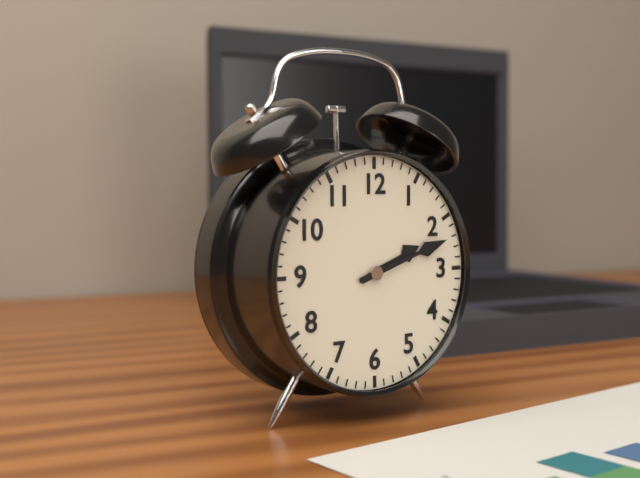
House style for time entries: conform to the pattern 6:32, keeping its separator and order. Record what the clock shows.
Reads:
2:12
